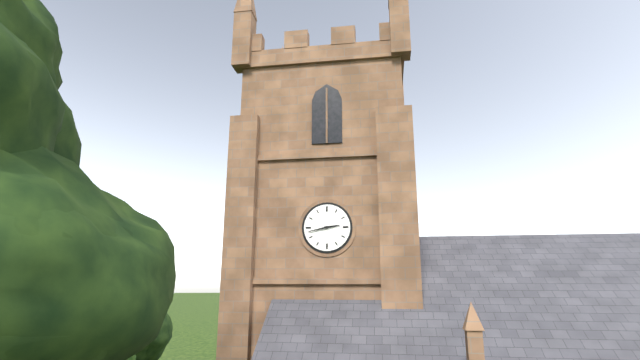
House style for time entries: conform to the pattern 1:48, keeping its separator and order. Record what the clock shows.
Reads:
2:43
